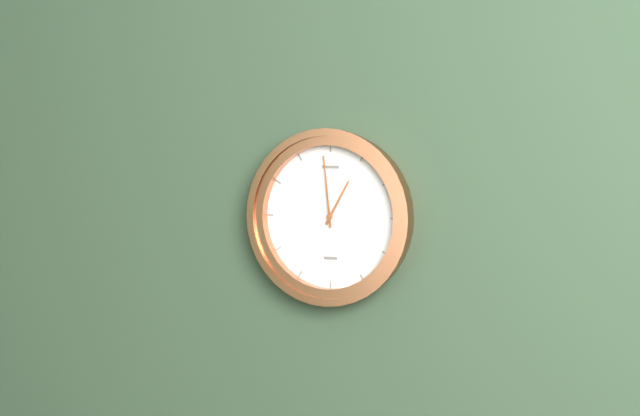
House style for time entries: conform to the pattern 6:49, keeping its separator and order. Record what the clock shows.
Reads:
12:59
